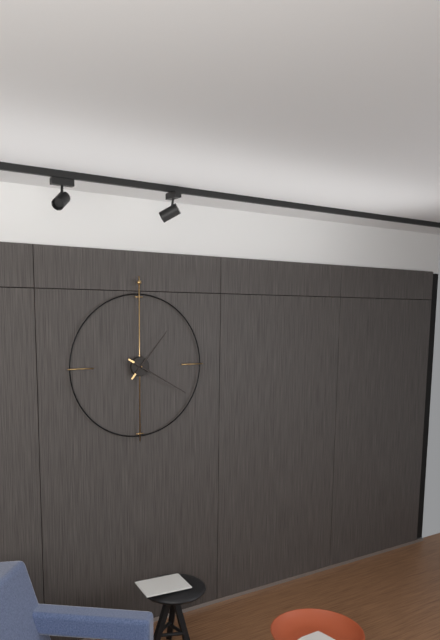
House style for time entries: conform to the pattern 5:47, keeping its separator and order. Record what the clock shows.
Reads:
1:20
